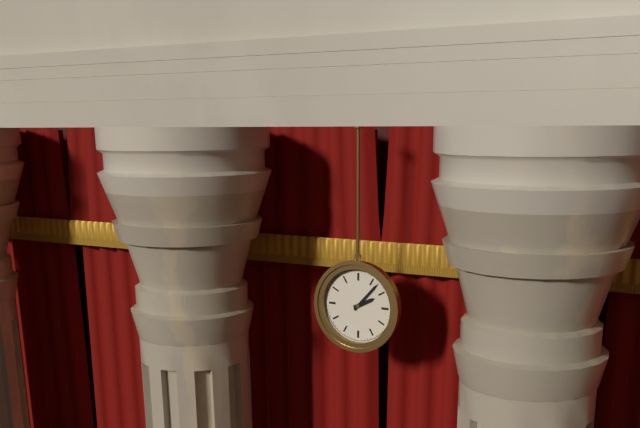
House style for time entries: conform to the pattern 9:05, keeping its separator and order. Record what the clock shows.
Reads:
2:07
